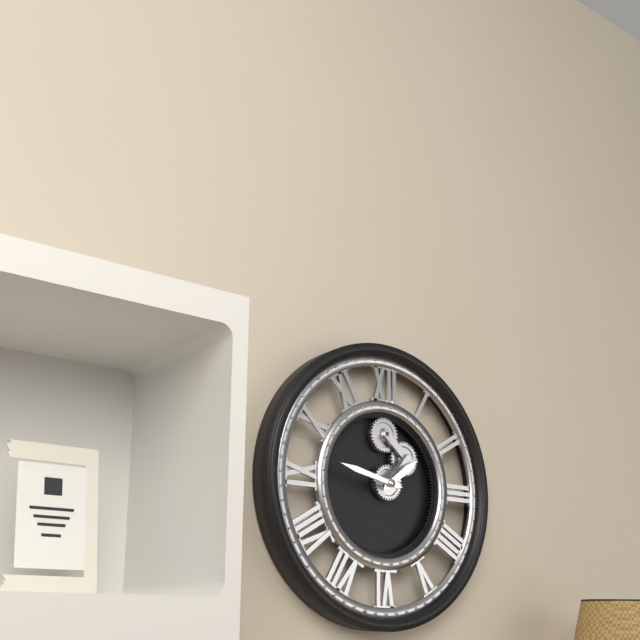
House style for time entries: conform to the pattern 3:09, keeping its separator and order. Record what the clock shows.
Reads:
1:47
